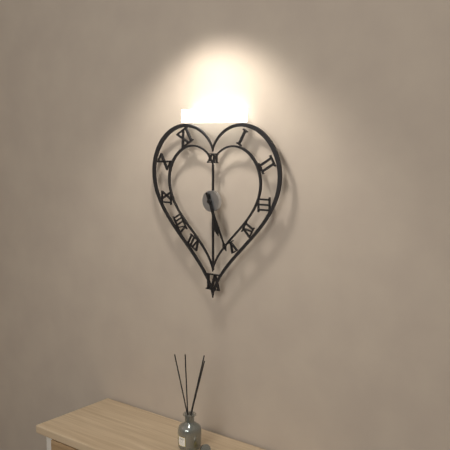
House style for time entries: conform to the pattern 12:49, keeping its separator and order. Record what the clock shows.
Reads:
5:26
